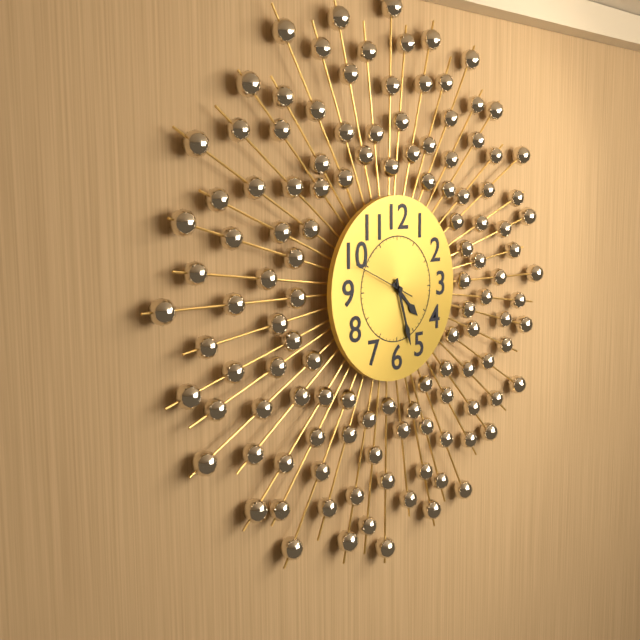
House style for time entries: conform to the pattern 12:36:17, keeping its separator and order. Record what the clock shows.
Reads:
4:27:49
